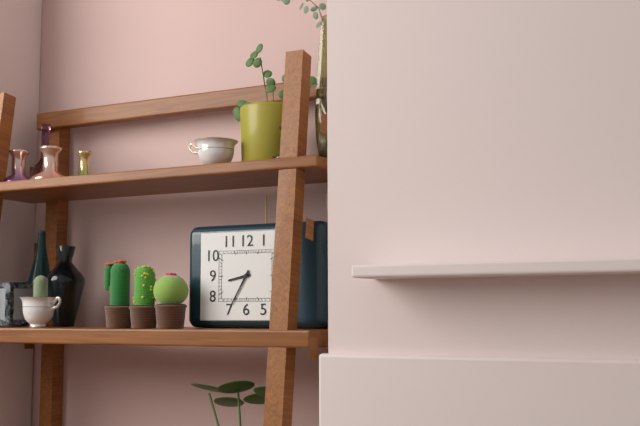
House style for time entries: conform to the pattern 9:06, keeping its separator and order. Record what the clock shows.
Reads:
8:35
